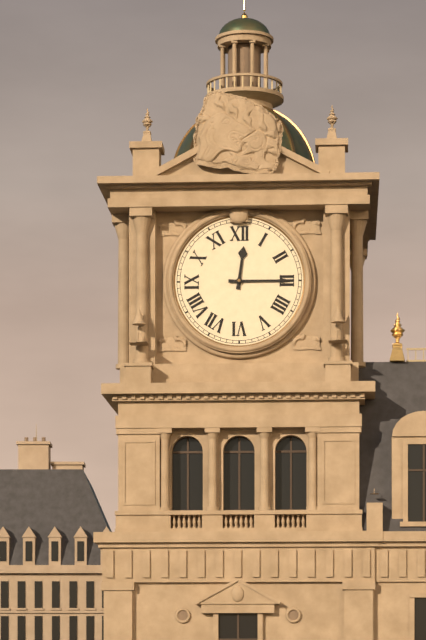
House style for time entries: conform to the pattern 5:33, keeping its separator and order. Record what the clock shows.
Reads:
12:15
